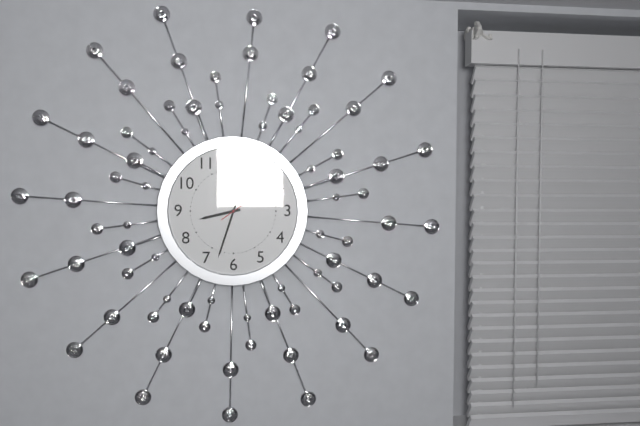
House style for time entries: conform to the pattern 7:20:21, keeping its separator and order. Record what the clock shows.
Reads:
8:33:09
